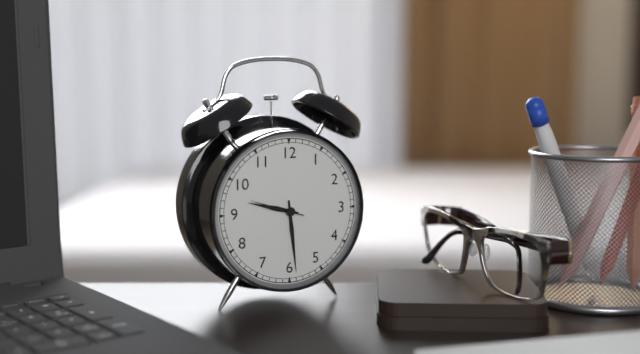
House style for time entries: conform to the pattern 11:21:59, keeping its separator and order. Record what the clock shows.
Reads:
9:29:48
